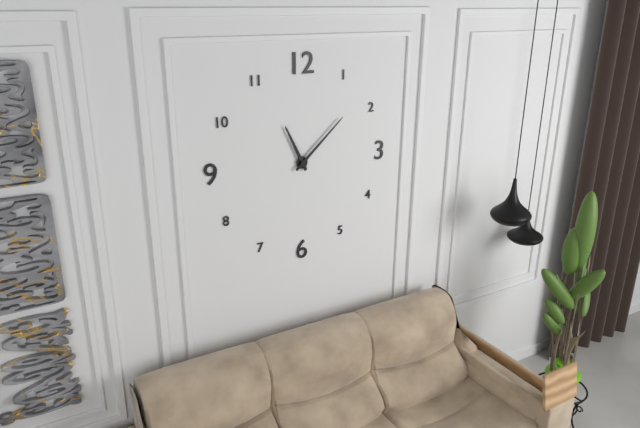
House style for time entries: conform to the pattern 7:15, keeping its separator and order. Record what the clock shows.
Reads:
11:08
